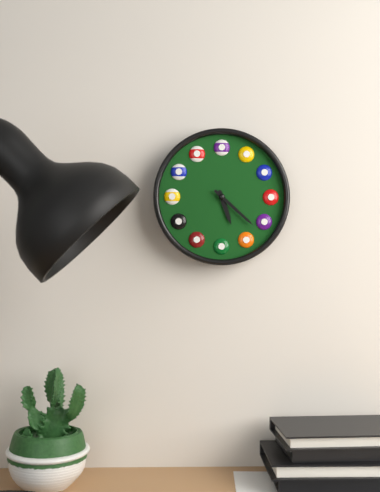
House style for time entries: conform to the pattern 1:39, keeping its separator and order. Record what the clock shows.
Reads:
5:22
